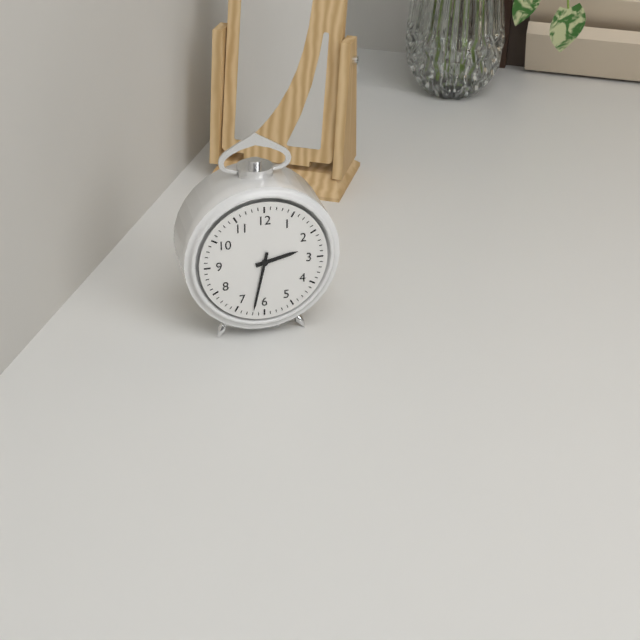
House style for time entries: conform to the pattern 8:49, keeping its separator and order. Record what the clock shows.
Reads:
2:32
